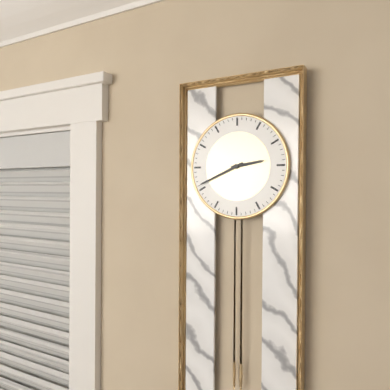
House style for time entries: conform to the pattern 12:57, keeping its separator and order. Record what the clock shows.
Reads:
2:41
